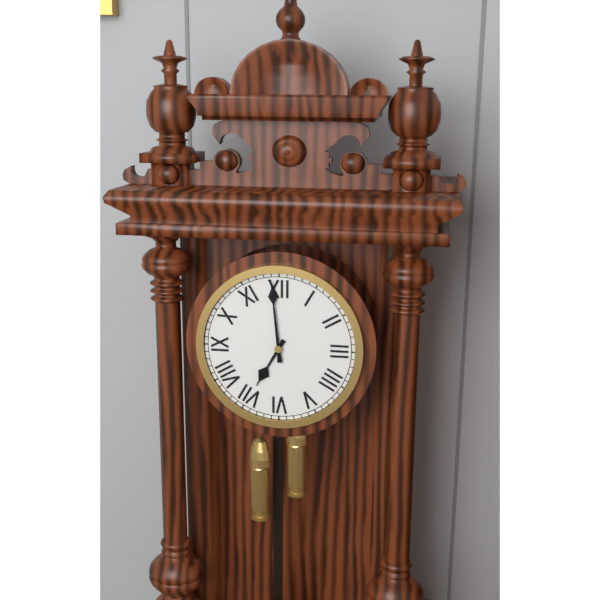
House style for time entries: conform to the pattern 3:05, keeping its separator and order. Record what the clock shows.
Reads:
6:59
